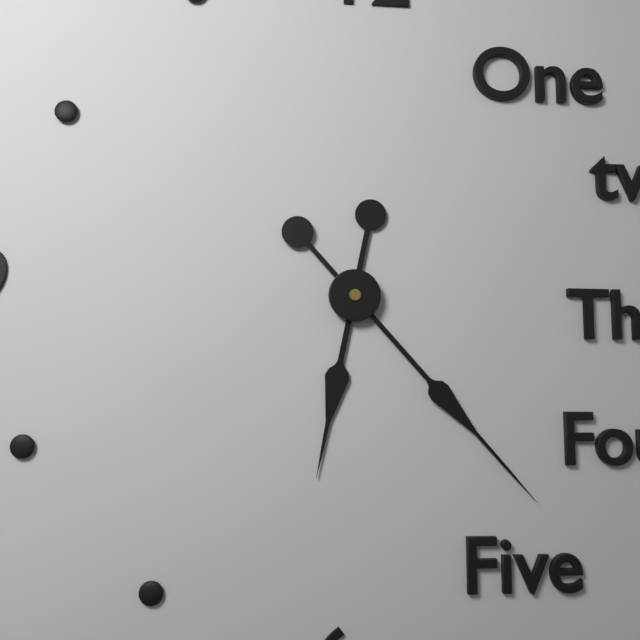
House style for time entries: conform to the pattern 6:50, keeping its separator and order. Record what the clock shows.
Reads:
6:23
